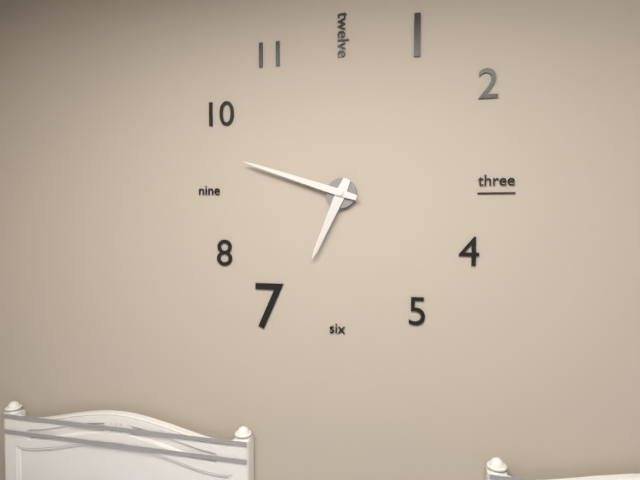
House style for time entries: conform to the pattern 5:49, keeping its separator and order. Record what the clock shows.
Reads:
6:48
